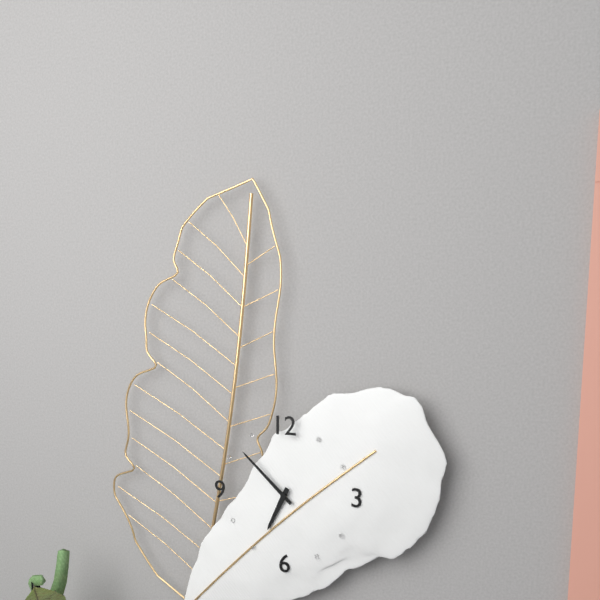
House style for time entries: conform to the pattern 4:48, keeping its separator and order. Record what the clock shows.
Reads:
6:52
